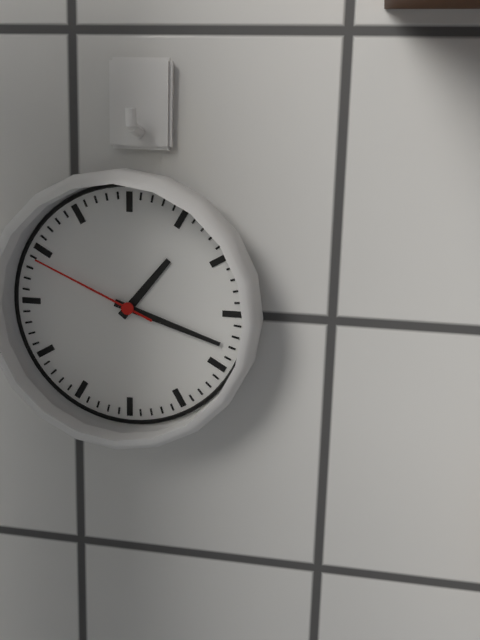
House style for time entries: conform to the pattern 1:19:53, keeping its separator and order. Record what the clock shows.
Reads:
1:18:49
